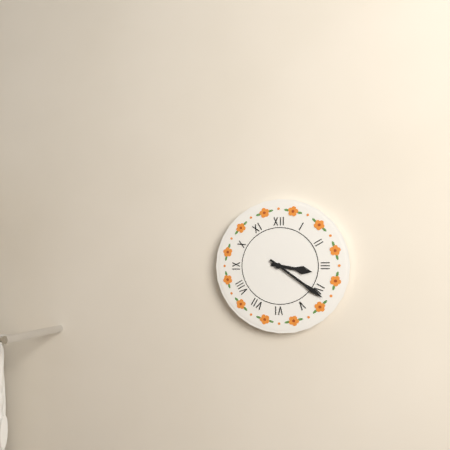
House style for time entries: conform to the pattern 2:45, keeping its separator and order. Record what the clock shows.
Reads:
3:21
